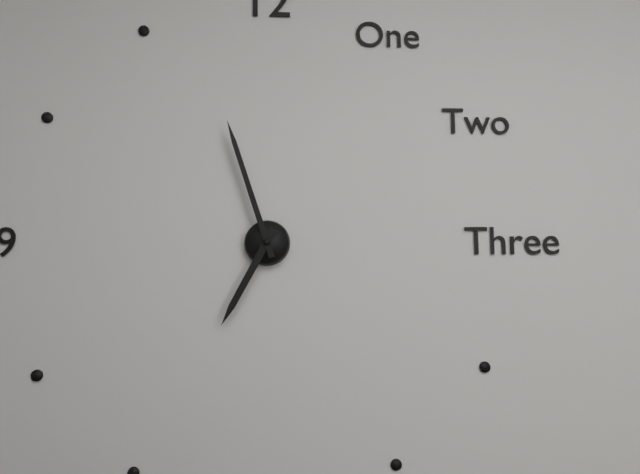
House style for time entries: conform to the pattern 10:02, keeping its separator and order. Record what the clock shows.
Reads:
6:57
